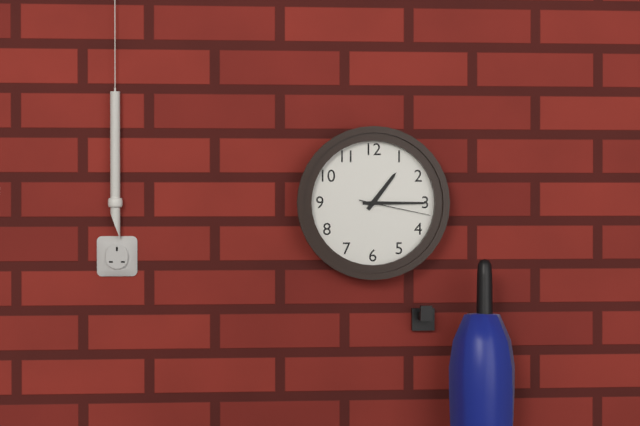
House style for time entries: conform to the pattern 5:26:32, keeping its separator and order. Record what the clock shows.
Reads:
1:15:17
